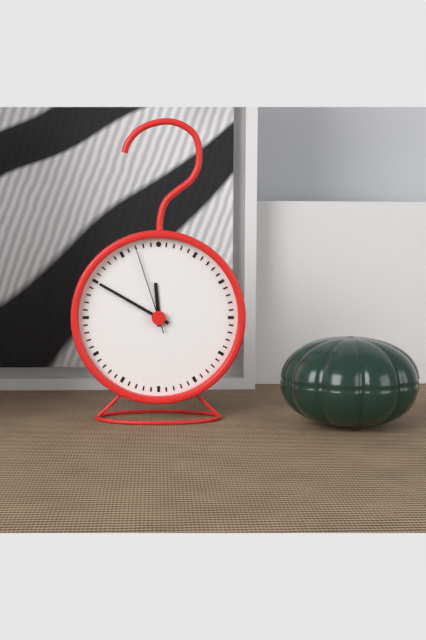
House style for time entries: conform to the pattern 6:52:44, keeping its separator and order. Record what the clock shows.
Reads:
11:50:57
